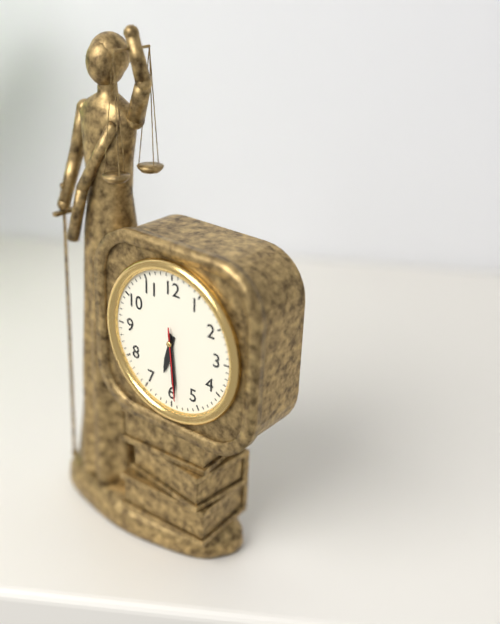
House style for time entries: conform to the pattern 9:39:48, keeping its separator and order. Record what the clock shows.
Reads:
6:29:29
